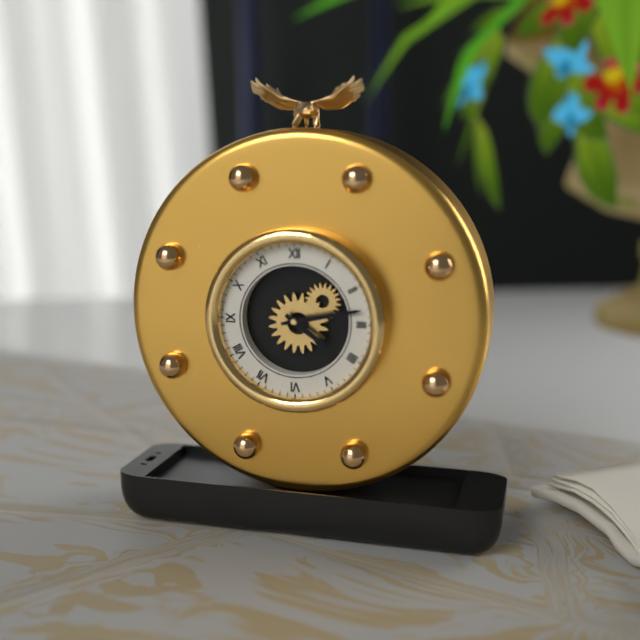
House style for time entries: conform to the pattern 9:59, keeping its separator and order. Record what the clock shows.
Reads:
4:13
